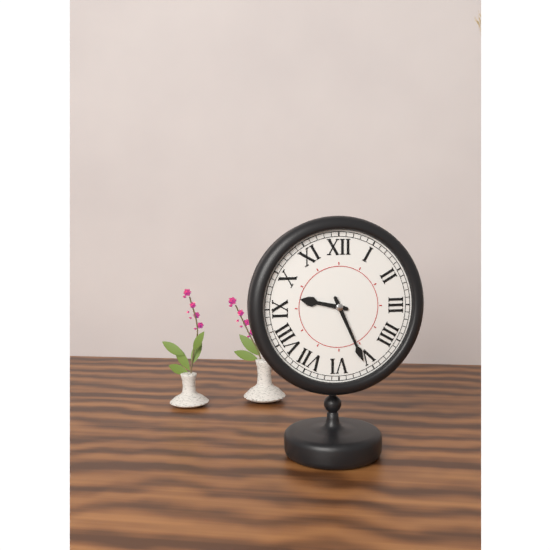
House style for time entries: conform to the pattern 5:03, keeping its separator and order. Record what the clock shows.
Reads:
9:26
